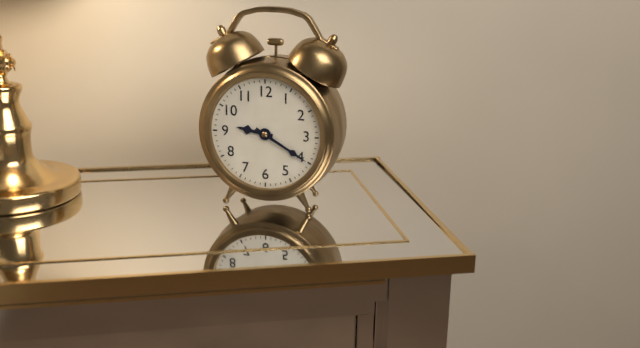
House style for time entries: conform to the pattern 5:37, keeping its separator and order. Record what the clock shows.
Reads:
9:20
